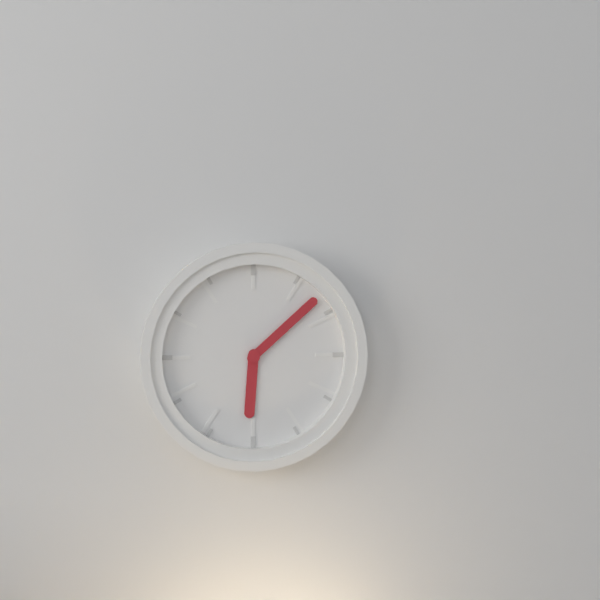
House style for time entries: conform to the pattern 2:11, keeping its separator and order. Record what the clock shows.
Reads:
6:08
